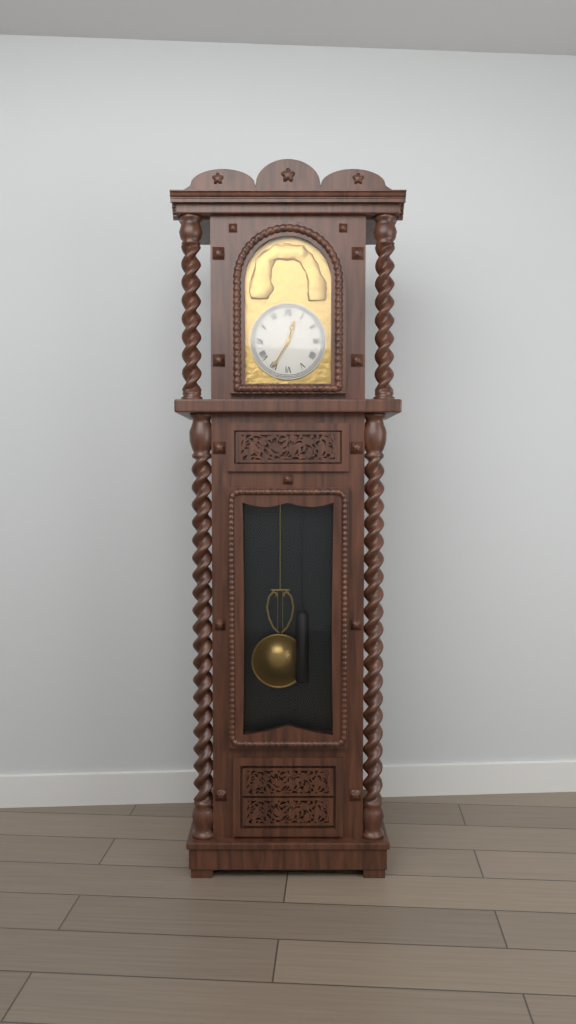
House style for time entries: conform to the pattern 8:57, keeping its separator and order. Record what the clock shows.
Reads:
12:35
